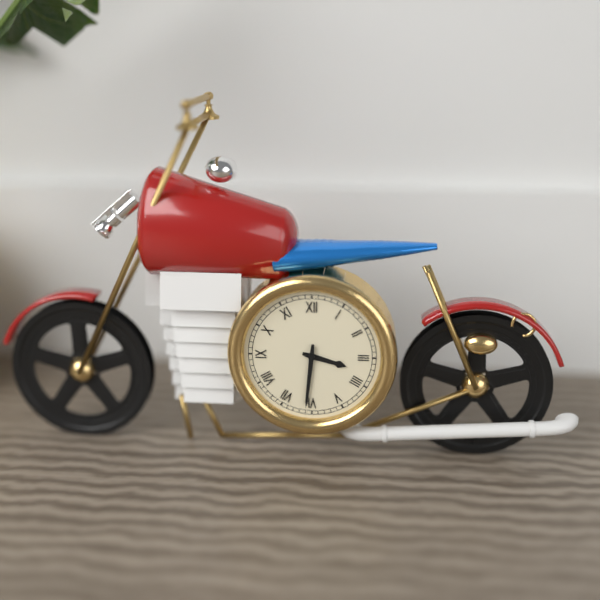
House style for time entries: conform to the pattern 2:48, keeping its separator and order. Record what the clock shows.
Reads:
3:31
